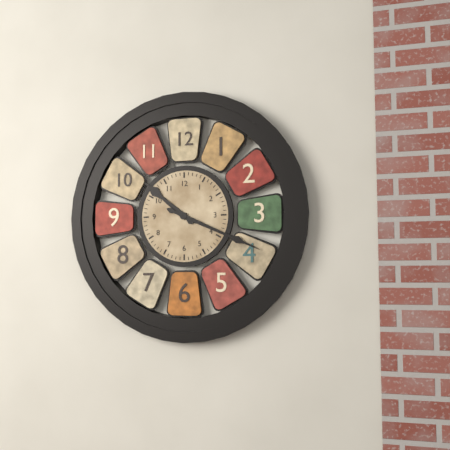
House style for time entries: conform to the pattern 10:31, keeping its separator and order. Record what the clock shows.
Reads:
10:19
